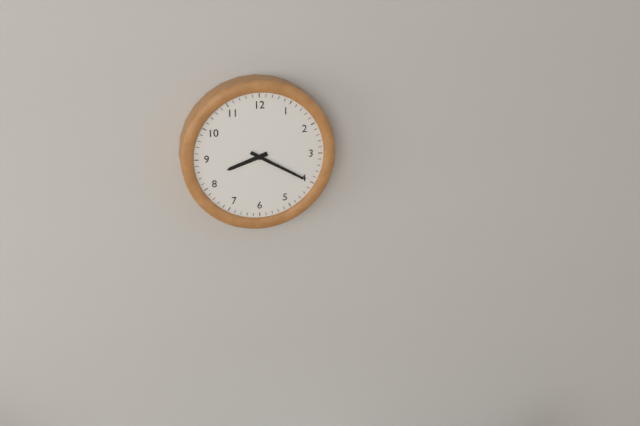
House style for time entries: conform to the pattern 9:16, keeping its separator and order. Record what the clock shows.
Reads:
8:20
